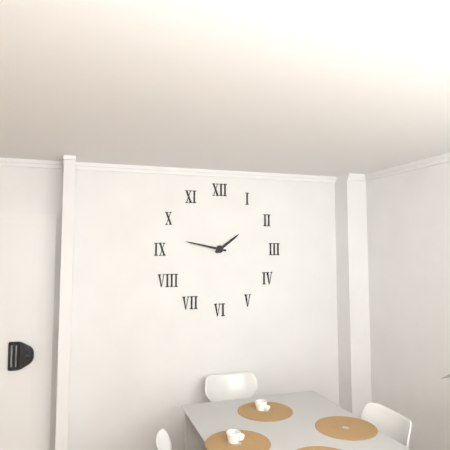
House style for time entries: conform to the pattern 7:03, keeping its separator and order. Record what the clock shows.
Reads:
1:47
